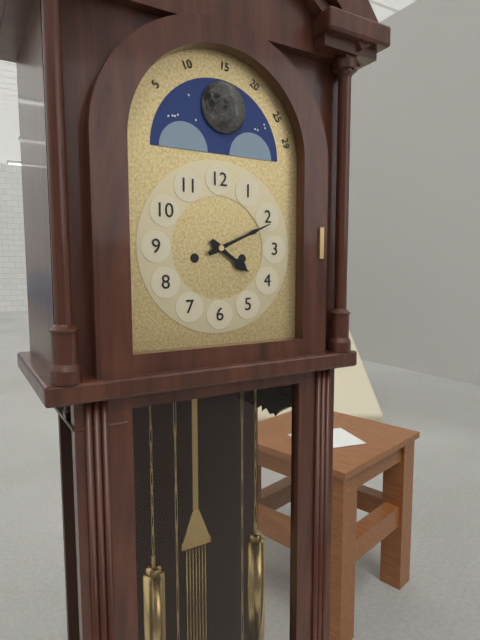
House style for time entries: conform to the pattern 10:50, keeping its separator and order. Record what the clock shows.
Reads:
4:11
